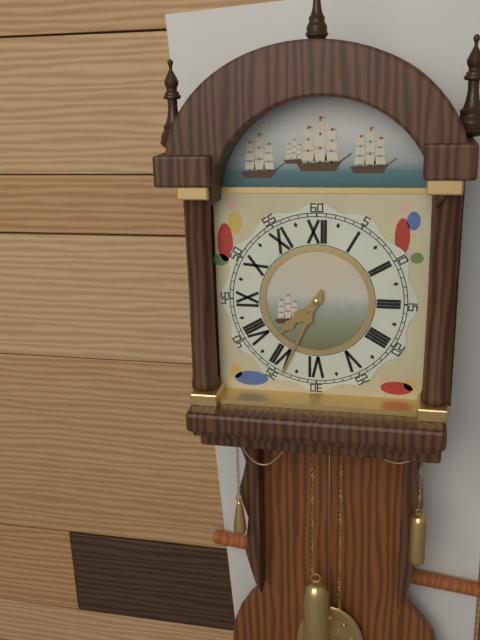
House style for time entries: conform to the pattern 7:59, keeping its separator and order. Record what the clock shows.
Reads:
7:34
